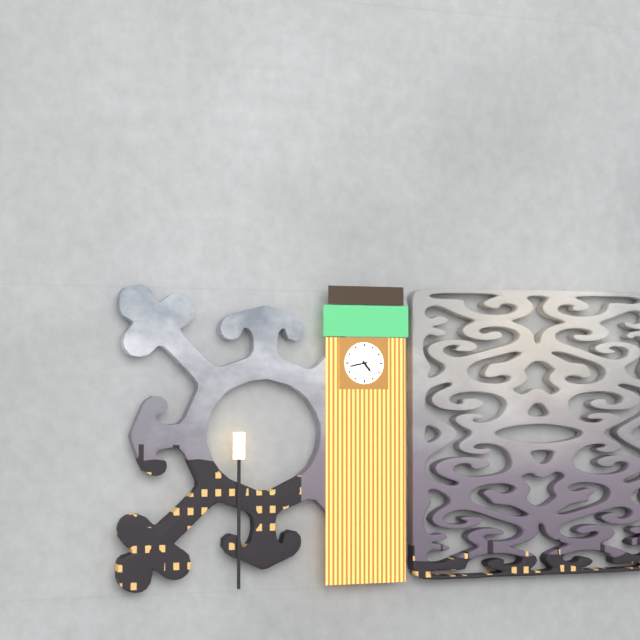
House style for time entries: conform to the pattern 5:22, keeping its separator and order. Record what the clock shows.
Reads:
4:43
